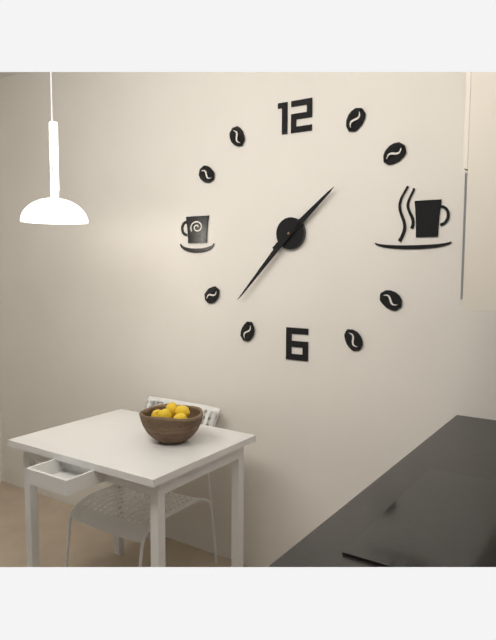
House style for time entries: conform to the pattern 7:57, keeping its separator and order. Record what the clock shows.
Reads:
1:37
